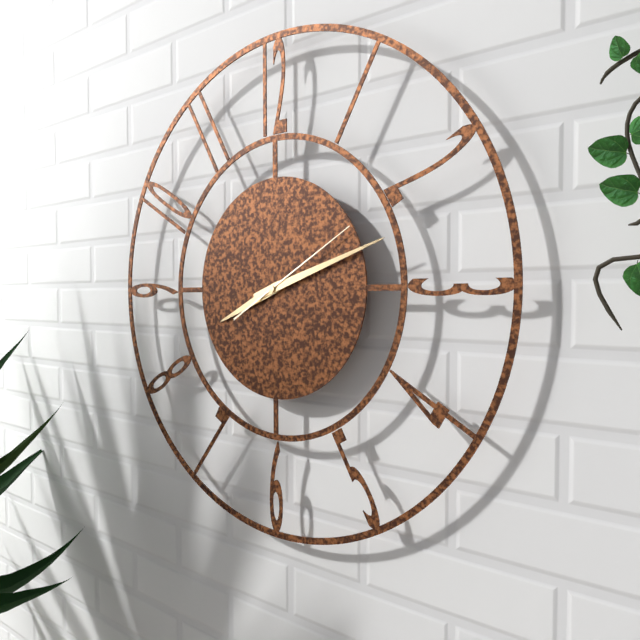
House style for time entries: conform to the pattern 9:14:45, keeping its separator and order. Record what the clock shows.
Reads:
8:12:10
